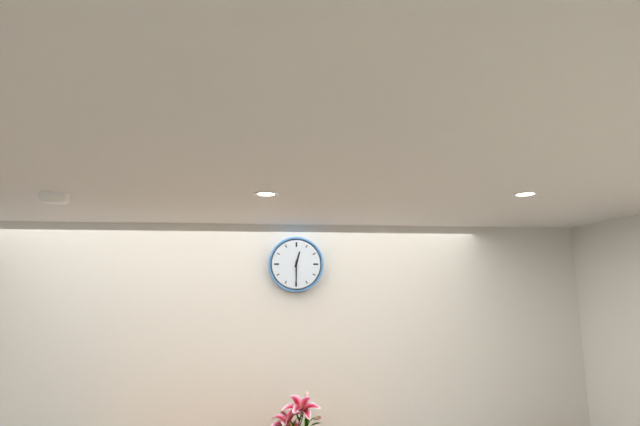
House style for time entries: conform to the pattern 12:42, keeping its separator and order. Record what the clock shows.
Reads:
12:30
